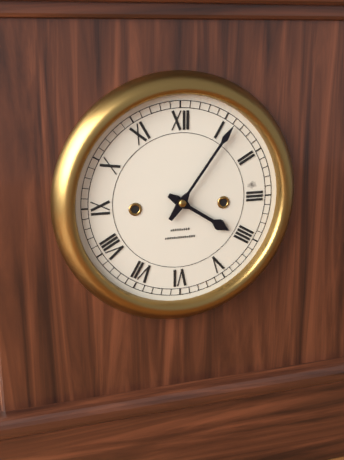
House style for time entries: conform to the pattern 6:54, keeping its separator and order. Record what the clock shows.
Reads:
4:06
